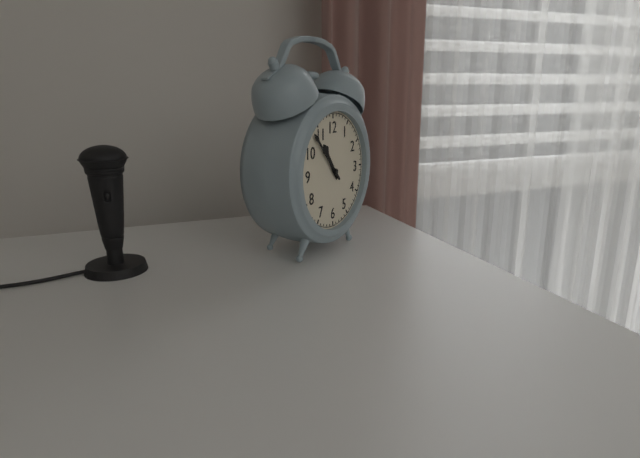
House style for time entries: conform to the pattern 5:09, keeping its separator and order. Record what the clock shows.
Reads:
10:53
